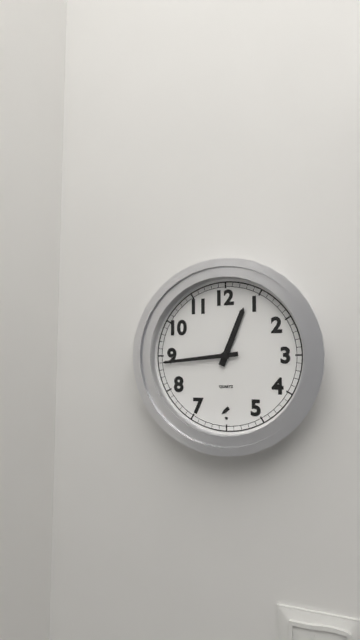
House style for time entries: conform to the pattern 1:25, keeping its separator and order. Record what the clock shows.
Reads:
12:44
